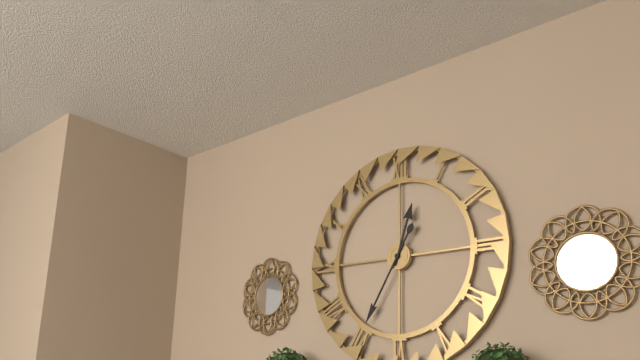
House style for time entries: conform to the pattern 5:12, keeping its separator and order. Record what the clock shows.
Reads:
12:35
